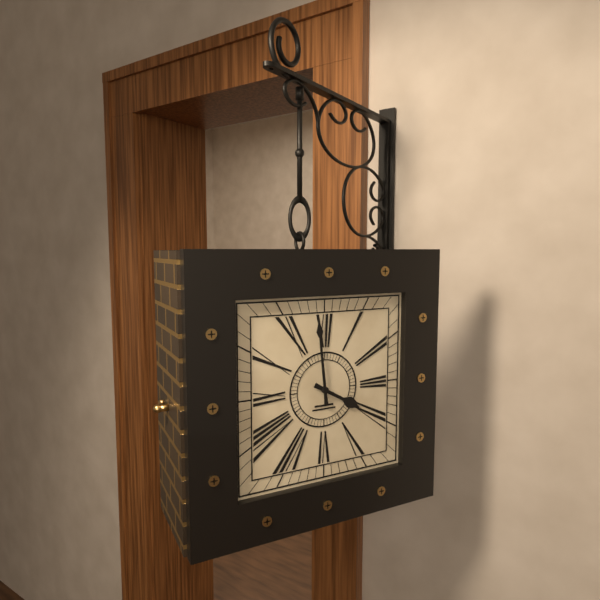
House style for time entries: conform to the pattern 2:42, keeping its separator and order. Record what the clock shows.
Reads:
3:59
